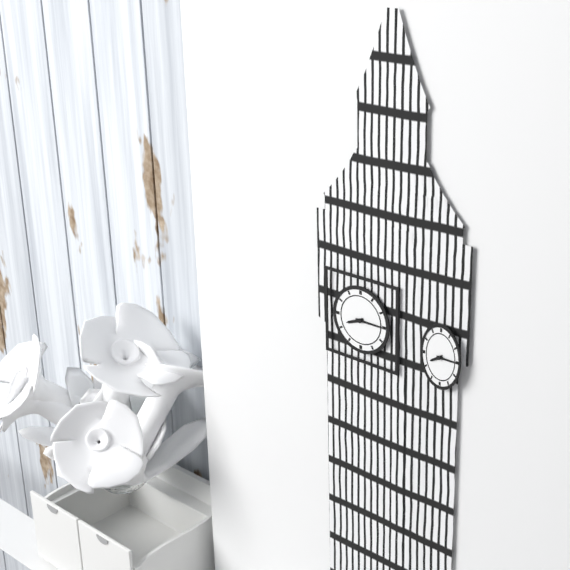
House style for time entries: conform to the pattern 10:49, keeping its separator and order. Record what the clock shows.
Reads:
8:15
